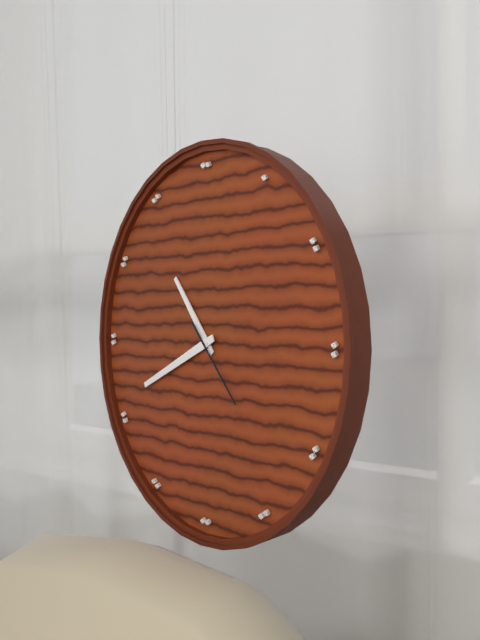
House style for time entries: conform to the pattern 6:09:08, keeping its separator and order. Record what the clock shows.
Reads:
10:41:23
